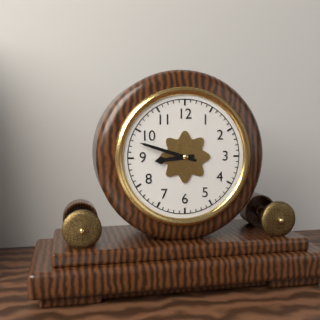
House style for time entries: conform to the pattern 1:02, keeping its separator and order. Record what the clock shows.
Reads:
8:48
